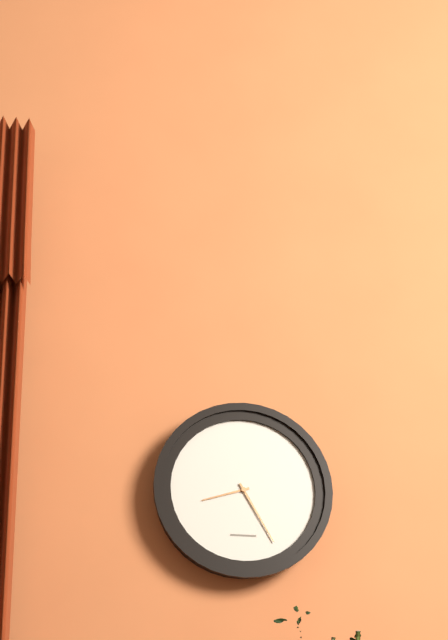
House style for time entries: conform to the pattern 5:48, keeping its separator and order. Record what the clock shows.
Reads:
8:25
